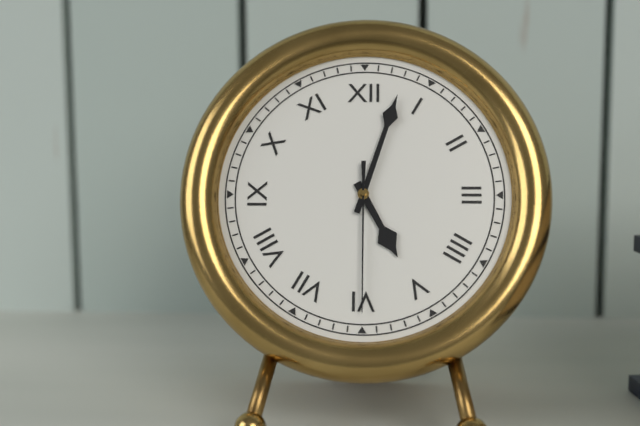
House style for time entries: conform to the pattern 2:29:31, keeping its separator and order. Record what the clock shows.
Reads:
5:03:30
